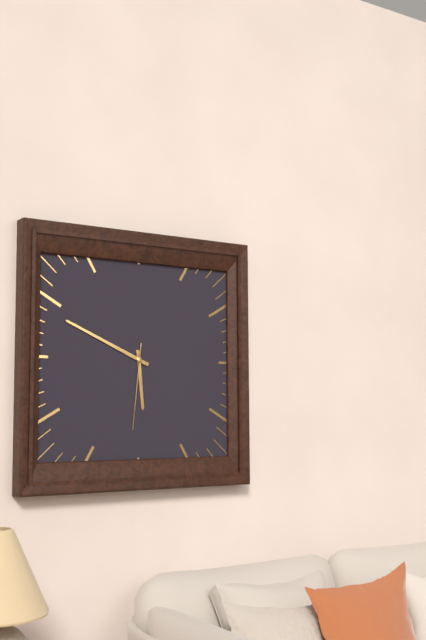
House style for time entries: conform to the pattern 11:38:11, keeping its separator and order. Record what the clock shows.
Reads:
5:49:31
